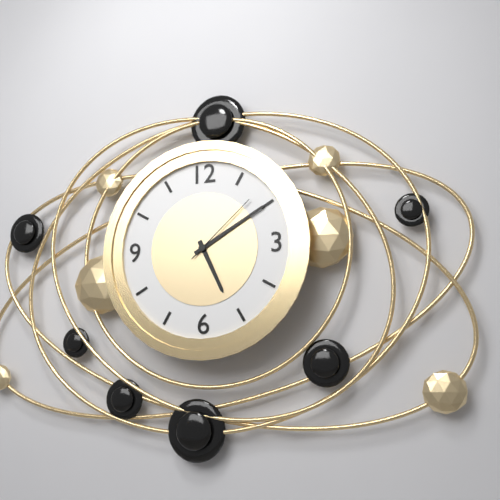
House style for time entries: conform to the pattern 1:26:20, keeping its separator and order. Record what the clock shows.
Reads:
5:10:08
